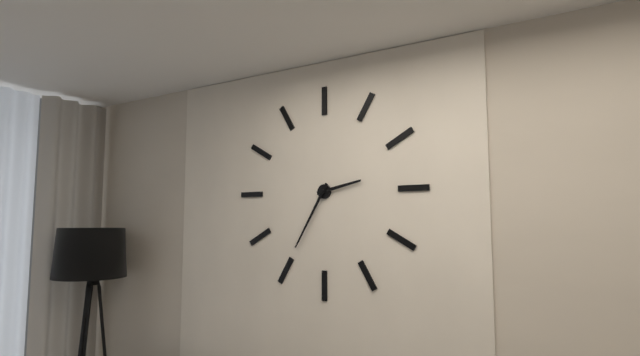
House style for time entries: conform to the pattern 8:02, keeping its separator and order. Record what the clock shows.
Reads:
2:35
